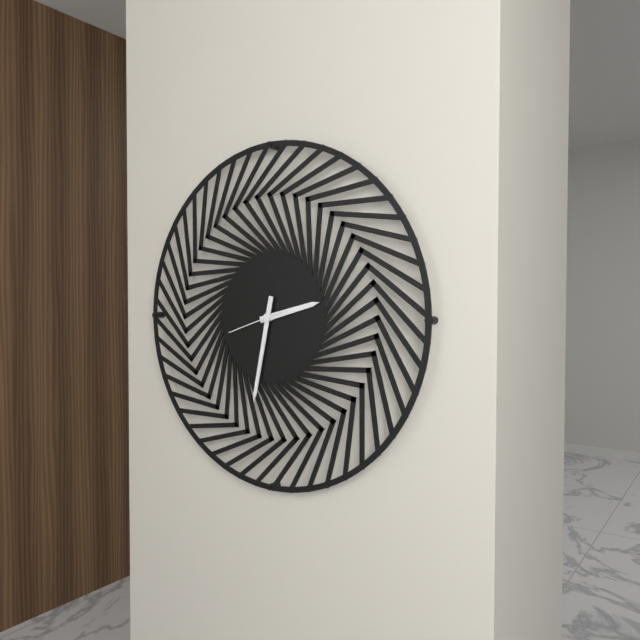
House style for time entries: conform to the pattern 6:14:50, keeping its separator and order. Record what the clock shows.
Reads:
2:32:42
